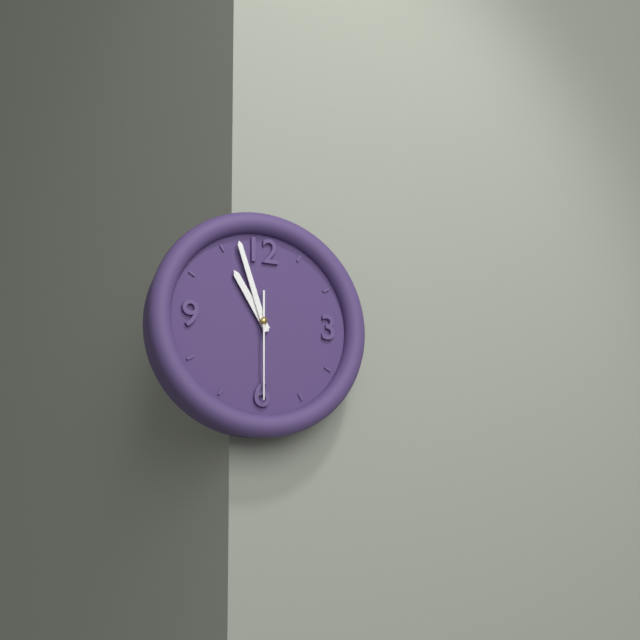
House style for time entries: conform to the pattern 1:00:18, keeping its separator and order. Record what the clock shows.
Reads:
10:57:30
